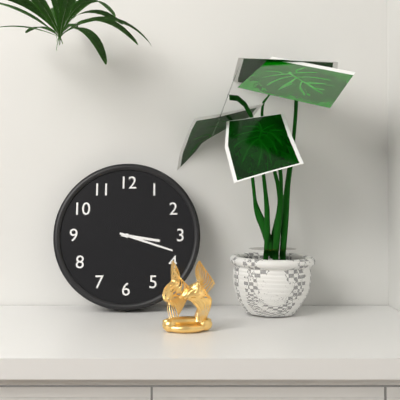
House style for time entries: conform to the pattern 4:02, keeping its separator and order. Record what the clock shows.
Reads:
3:18
